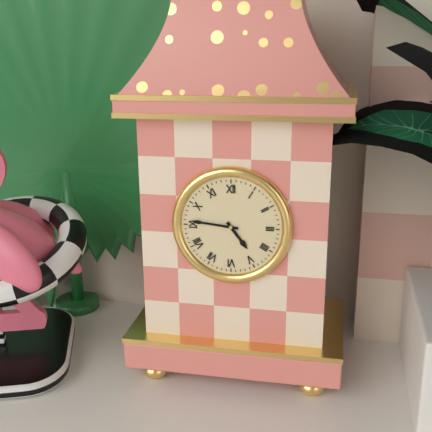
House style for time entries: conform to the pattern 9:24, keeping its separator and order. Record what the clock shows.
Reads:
4:46
